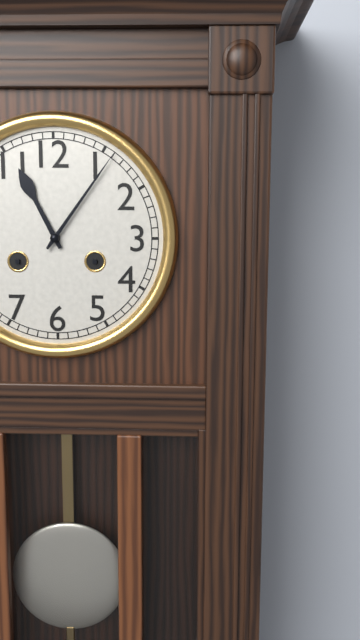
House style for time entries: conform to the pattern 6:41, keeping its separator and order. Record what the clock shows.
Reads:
11:06
